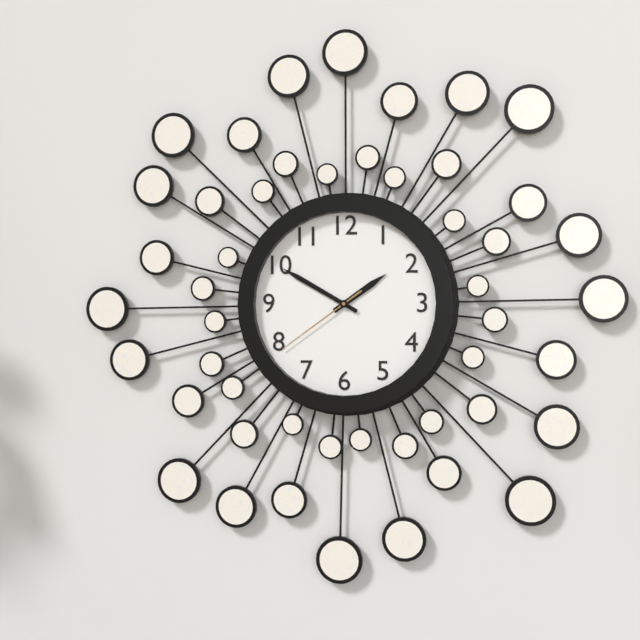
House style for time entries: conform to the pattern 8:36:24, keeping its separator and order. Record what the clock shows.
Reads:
1:50:39
